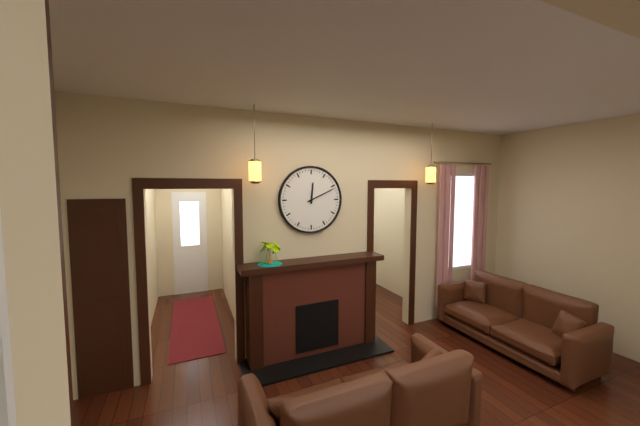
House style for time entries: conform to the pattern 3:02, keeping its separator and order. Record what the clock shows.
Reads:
12:11
